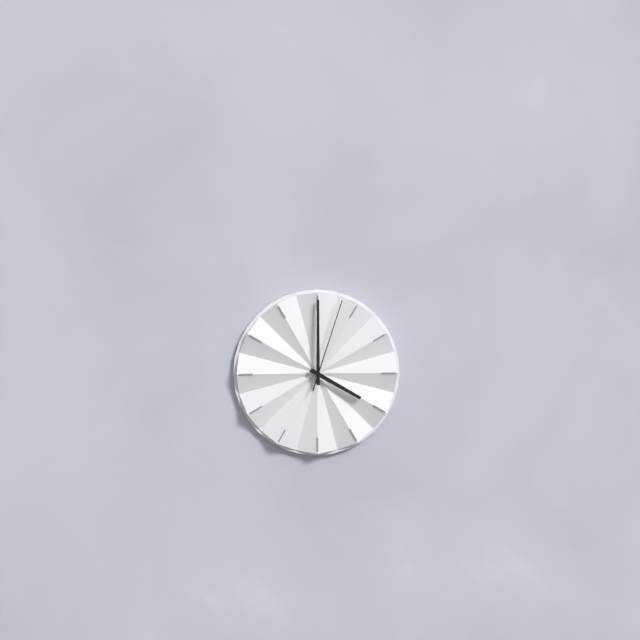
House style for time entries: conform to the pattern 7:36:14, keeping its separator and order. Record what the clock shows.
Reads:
4:00:03
